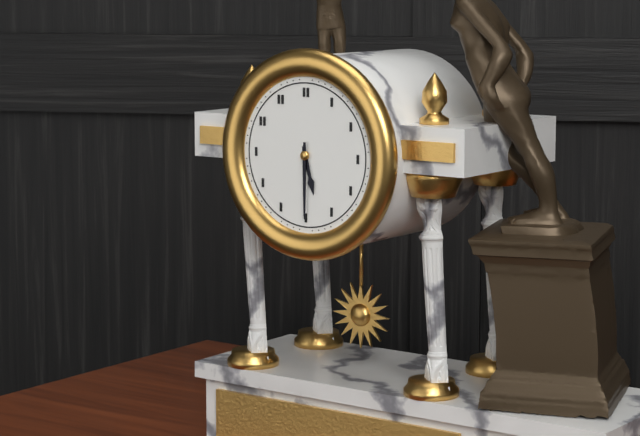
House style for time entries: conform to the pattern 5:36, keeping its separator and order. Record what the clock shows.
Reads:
5:30
